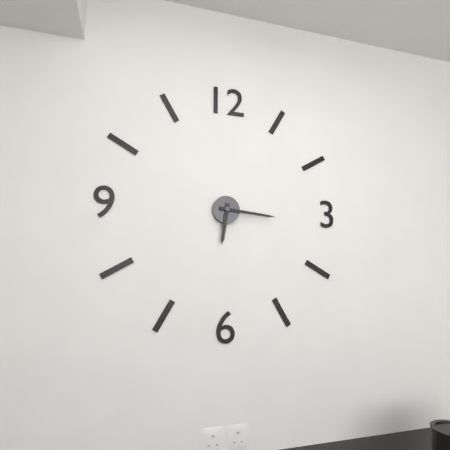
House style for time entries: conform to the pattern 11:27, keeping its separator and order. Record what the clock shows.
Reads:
6:16
